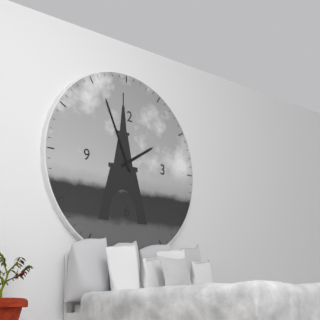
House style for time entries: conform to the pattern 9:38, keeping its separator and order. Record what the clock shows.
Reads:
1:56
